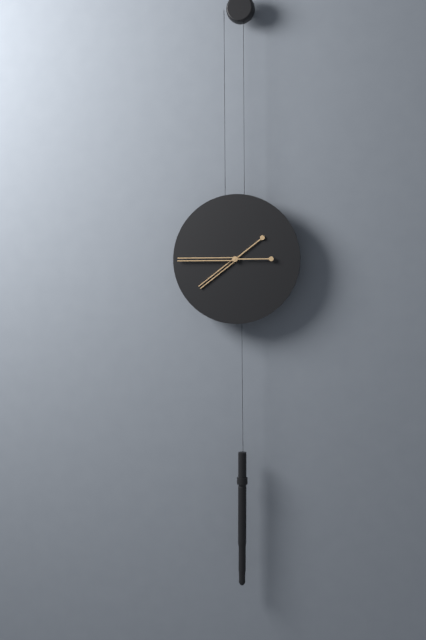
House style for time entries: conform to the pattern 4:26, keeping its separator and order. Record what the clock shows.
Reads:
7:45
